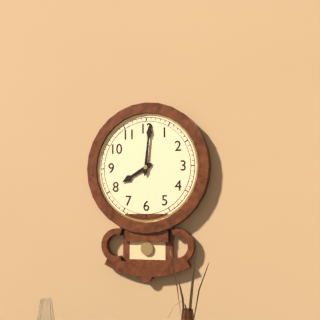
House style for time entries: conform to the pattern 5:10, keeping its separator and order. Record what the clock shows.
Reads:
8:01
